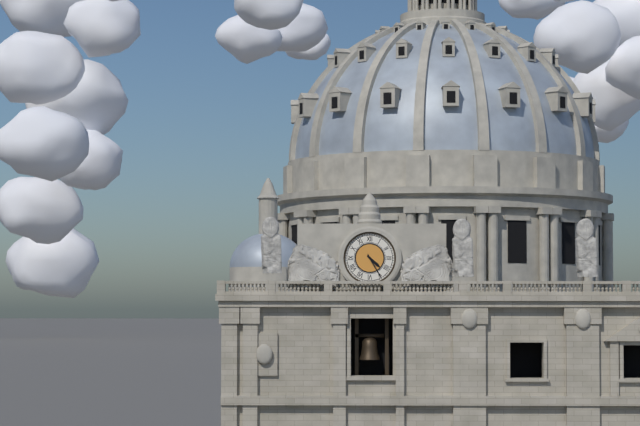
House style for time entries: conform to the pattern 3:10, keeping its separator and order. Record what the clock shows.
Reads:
4:25
